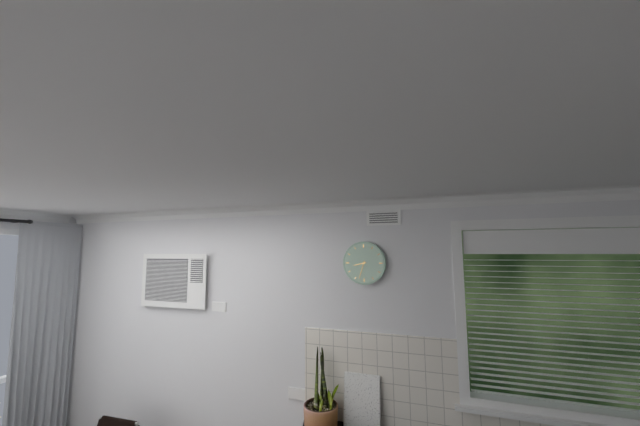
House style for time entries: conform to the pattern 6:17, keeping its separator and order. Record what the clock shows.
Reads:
8:33
